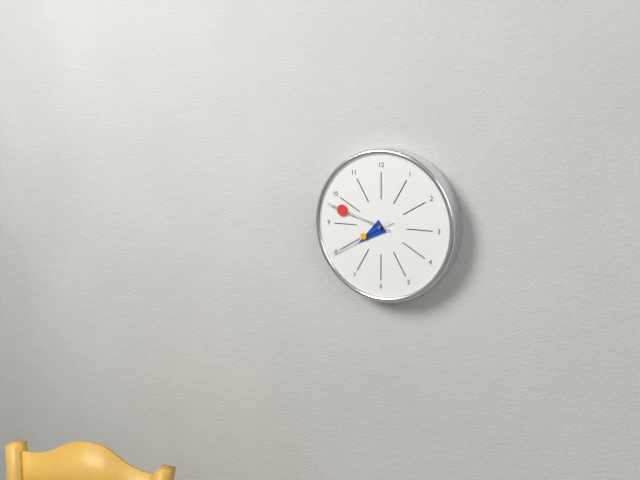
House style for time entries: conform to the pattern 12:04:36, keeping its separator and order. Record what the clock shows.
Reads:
7:48:40
